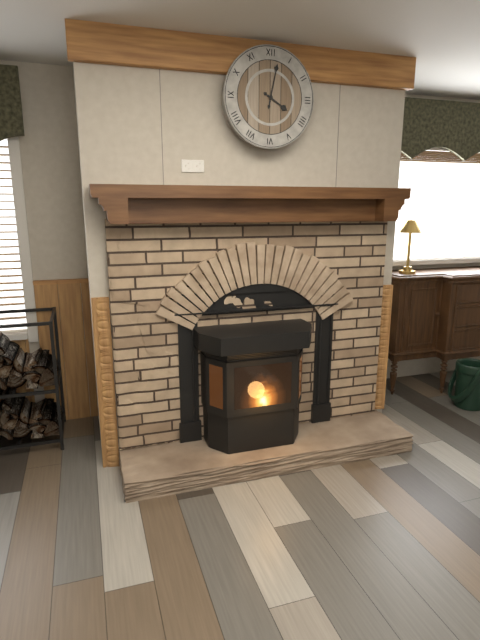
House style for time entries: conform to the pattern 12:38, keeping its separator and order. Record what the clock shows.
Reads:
4:02
